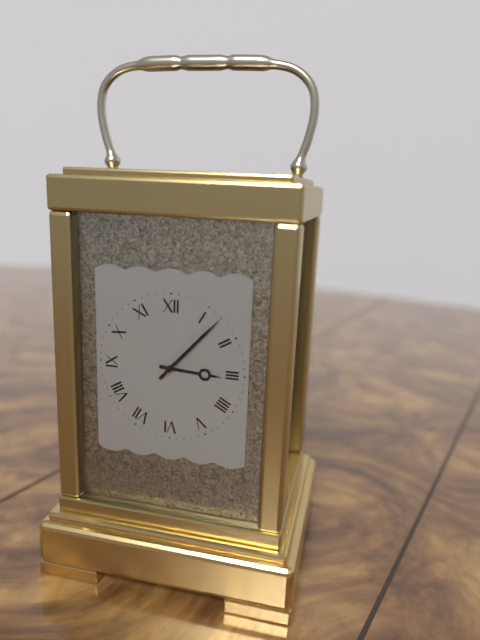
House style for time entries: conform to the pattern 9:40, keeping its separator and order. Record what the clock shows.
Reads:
3:07
